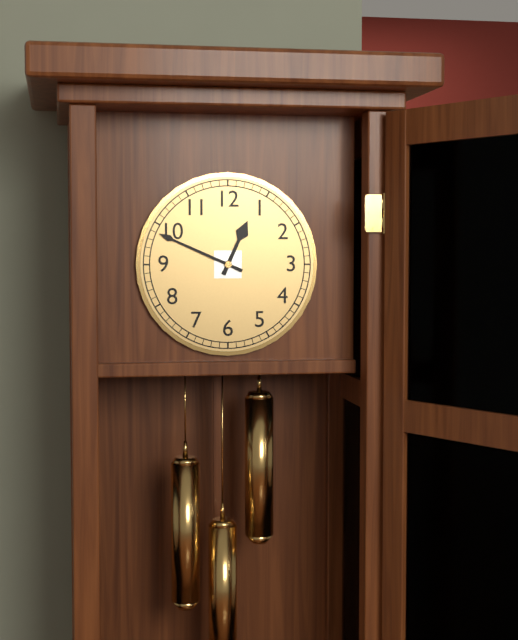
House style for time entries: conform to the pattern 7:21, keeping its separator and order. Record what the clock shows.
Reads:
12:49
